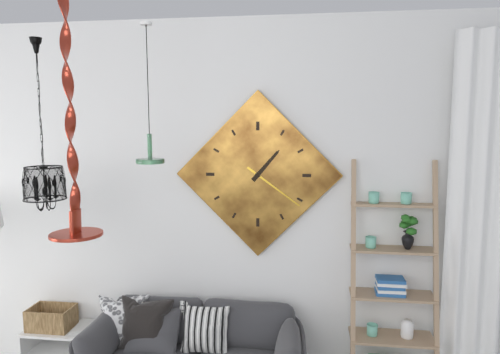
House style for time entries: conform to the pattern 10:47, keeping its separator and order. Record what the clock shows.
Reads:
1:21
